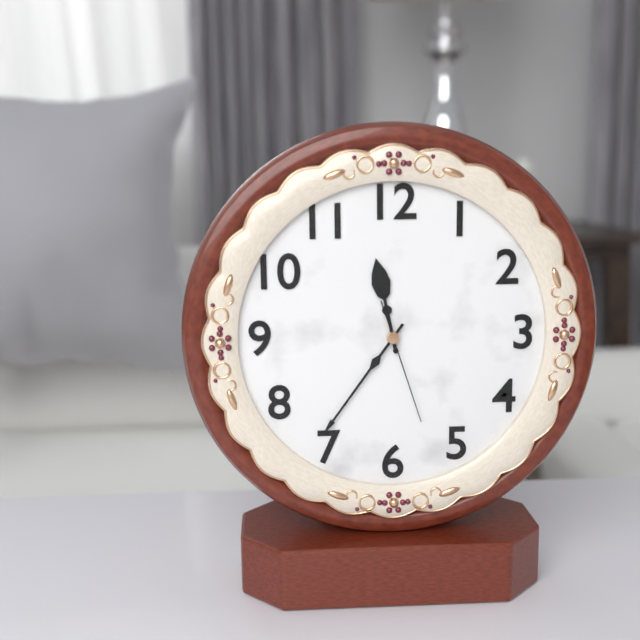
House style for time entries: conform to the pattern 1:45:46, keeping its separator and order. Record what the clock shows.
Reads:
11:36:27
